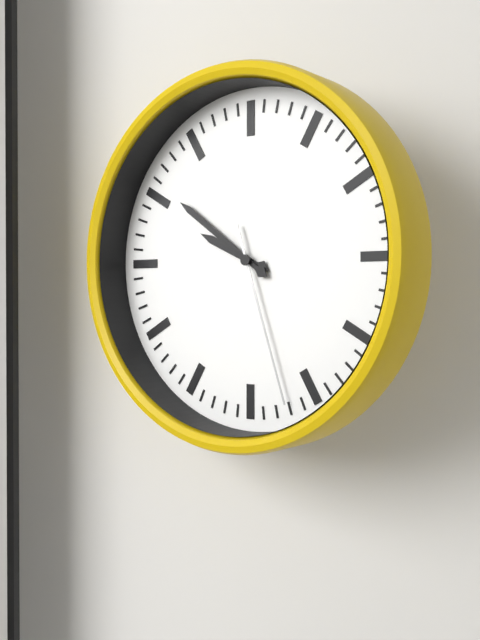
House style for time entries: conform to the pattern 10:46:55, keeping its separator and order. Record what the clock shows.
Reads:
9:51:27
